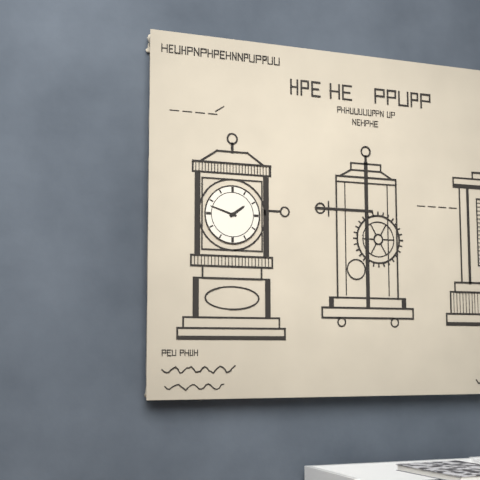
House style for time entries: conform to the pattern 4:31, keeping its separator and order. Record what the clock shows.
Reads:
1:48
